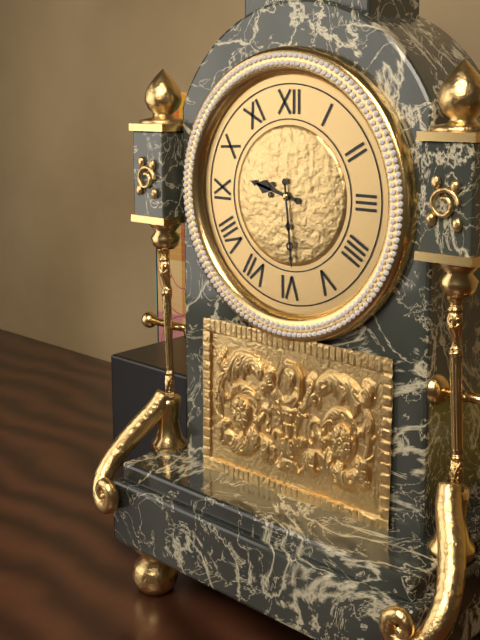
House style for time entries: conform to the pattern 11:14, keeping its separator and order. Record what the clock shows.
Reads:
9:29
